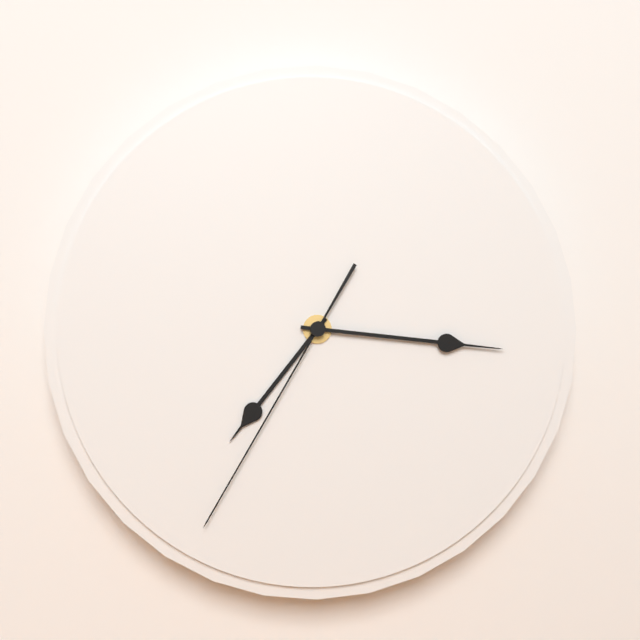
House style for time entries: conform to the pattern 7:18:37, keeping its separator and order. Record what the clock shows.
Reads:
7:16:35
